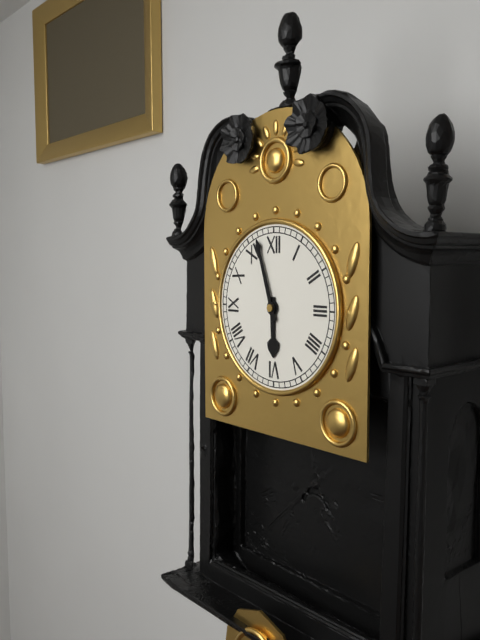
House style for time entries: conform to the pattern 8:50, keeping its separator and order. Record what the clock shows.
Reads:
5:57
